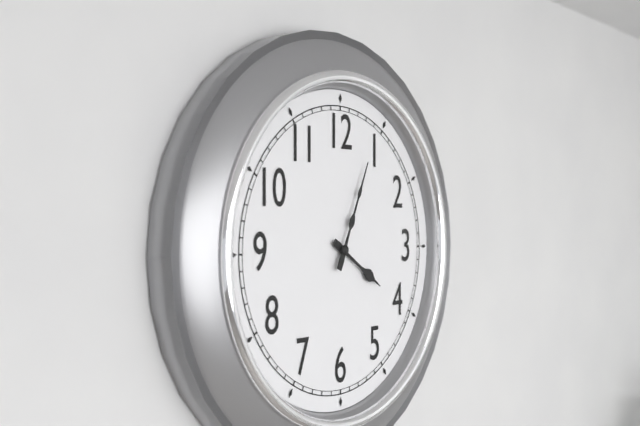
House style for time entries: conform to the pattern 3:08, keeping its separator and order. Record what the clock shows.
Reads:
4:04
